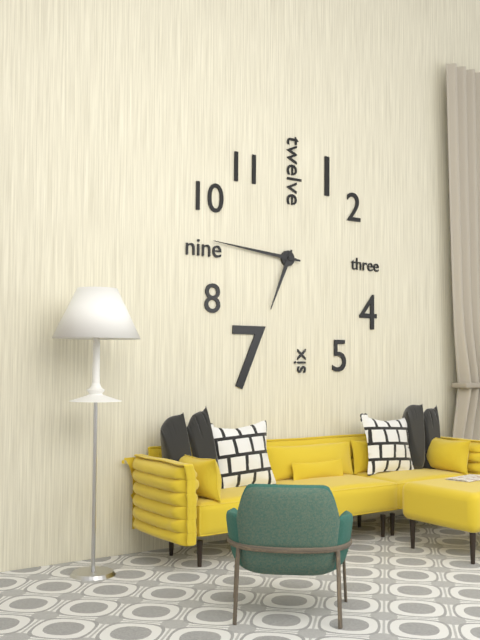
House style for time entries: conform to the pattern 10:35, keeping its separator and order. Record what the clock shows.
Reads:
6:46
